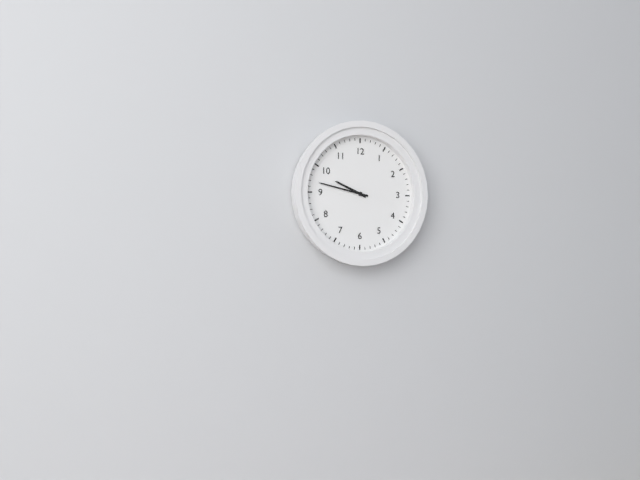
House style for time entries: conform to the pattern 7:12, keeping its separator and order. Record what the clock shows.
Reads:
9:47
